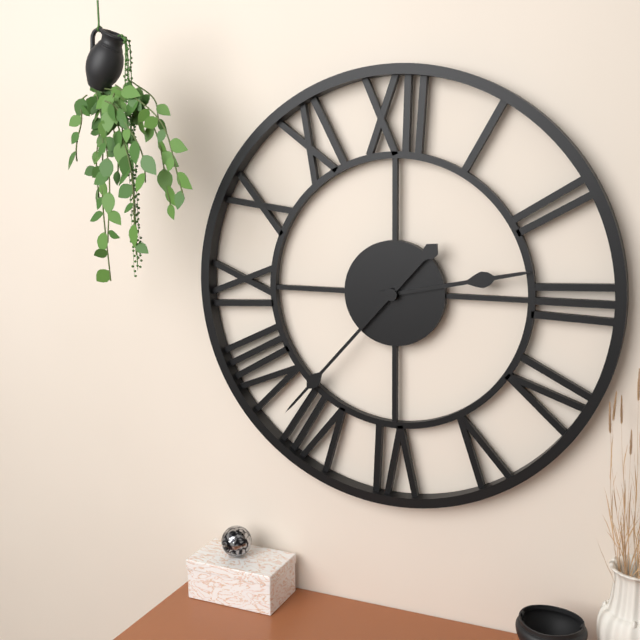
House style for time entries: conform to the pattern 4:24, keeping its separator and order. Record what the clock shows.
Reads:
2:37
